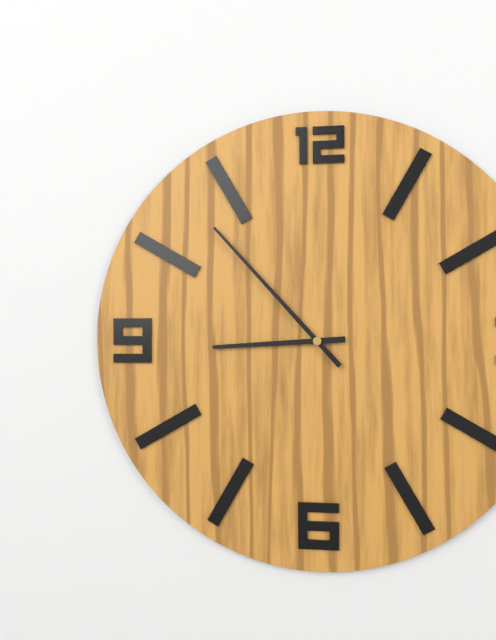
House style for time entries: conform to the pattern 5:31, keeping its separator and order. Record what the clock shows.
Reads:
8:53
